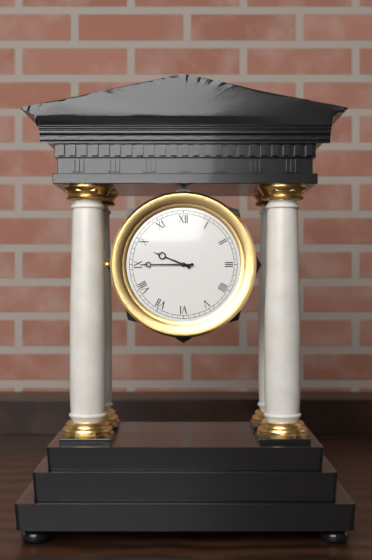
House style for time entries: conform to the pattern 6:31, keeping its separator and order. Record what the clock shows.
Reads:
9:45
